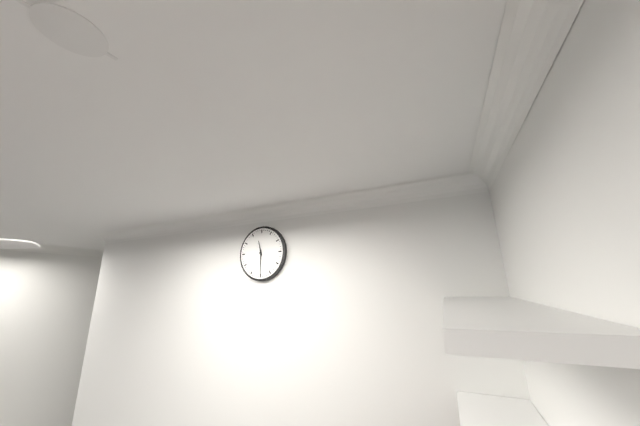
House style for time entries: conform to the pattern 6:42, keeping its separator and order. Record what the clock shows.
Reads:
11:30
